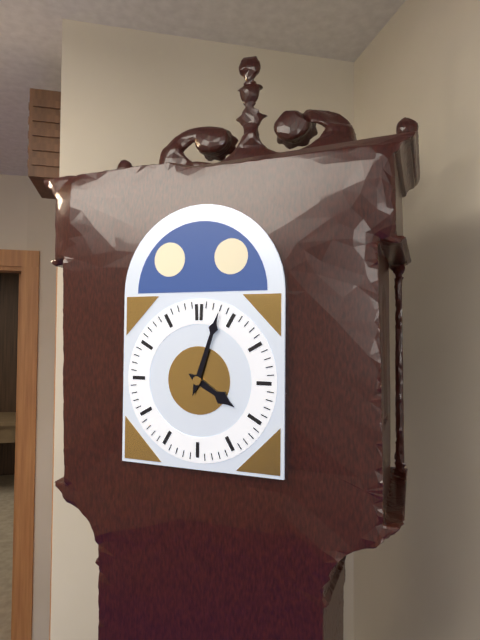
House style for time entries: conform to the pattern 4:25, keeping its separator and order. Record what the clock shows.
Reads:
4:03
